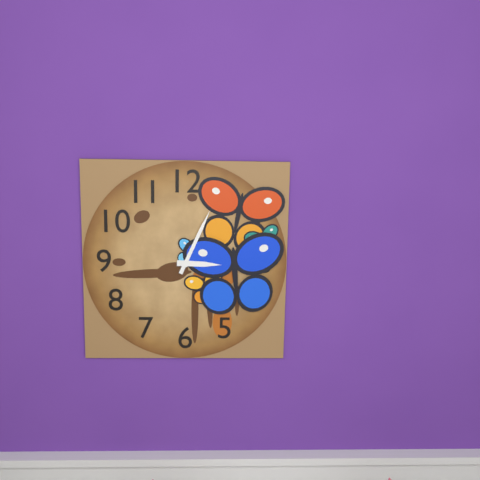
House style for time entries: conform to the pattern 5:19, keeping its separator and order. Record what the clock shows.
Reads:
3:04
